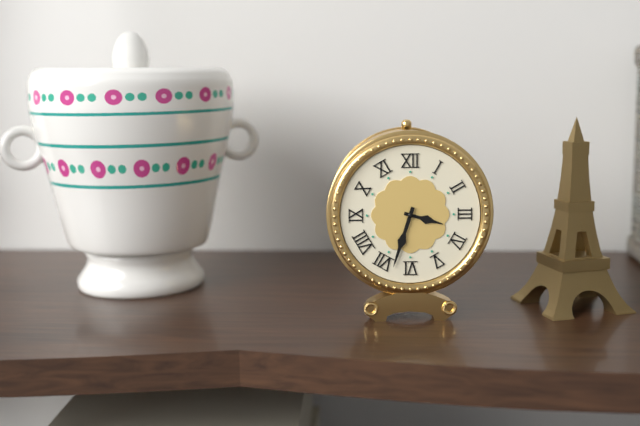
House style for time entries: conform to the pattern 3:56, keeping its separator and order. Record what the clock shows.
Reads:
3:33
